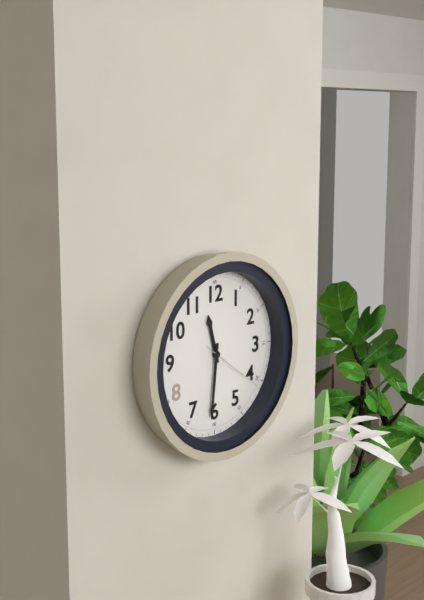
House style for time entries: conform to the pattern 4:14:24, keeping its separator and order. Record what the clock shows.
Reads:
11:31:21
